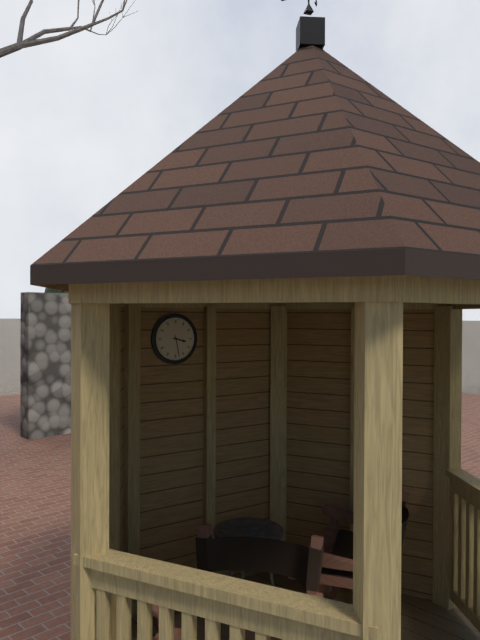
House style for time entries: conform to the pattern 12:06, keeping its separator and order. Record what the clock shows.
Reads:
3:28
